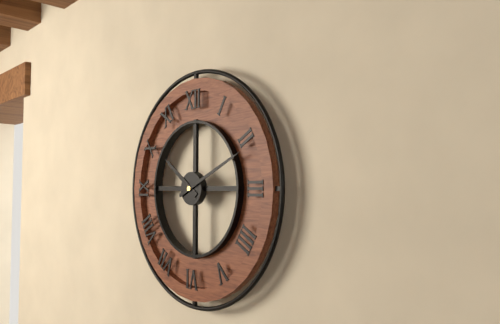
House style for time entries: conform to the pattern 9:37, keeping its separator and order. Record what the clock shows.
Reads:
10:11
